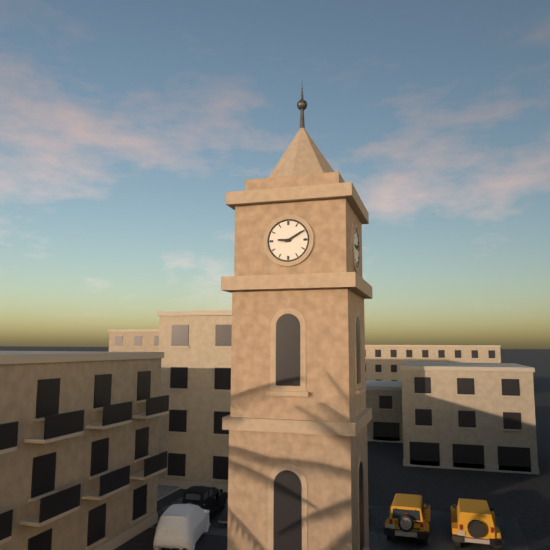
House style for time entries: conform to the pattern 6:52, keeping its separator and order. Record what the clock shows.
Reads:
9:10
